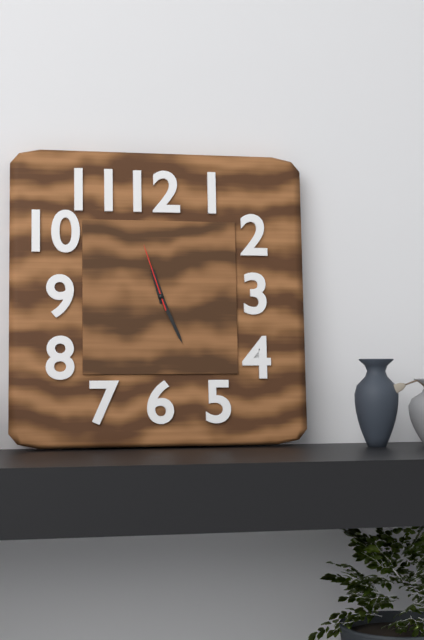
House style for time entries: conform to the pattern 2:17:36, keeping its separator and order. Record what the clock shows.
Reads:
11:26:57
